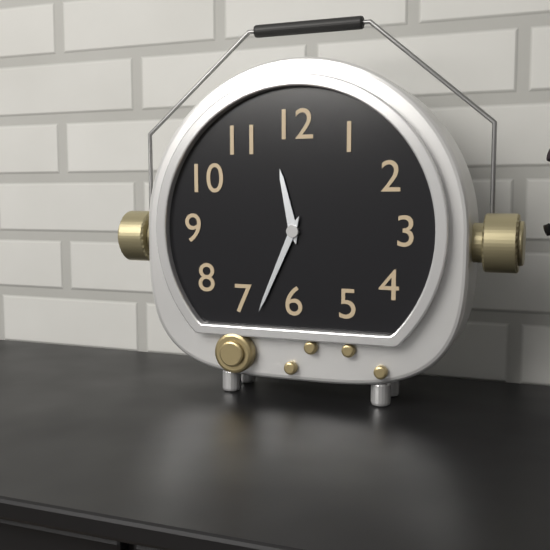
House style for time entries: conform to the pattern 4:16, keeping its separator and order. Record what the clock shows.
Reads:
11:34
